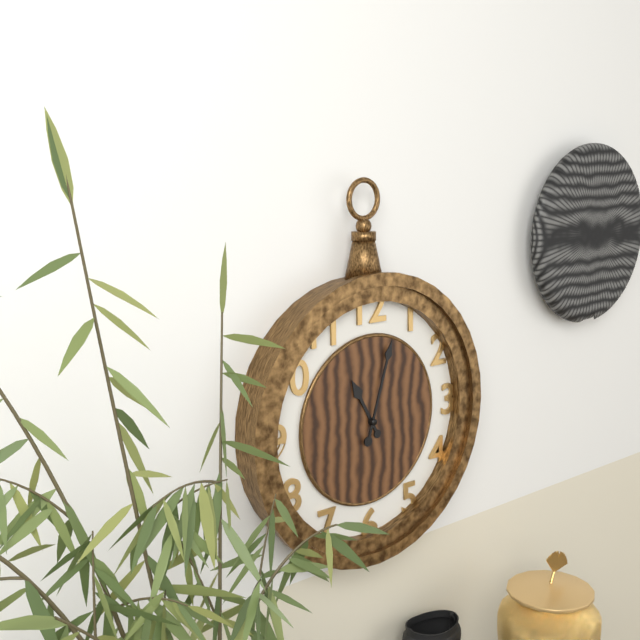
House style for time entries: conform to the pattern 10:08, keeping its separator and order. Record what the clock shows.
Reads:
11:03
